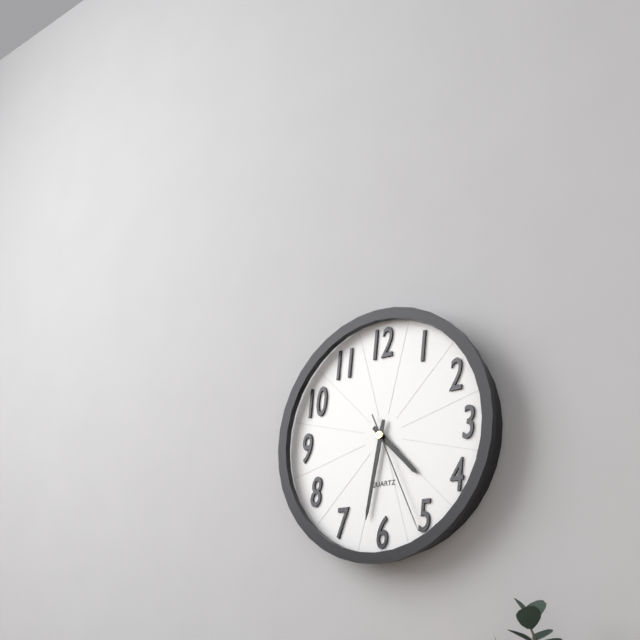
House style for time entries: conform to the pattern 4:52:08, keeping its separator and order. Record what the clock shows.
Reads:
4:32:26
